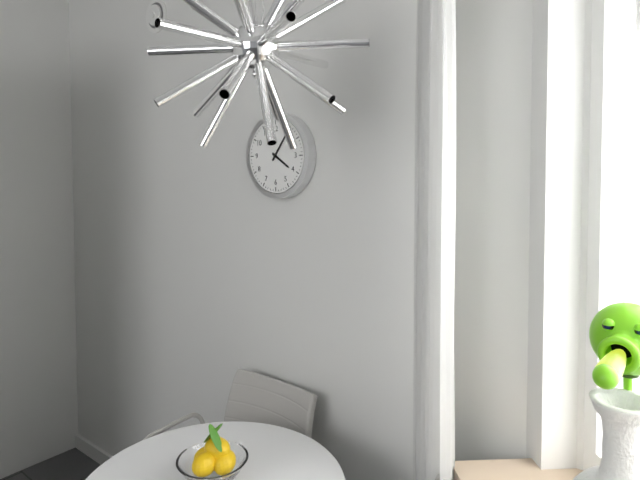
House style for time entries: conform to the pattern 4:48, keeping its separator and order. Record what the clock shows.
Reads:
4:06
